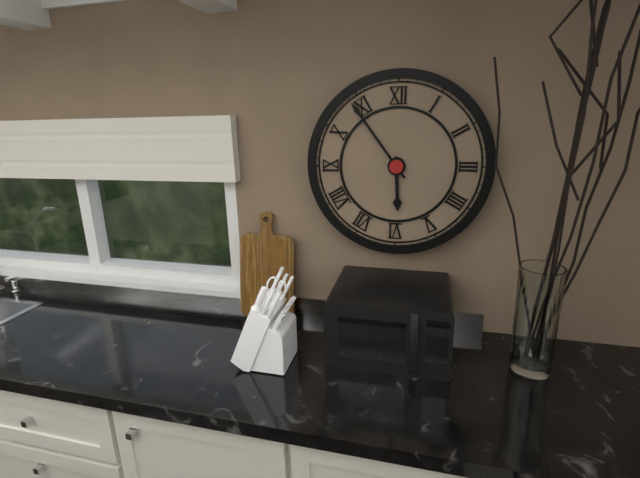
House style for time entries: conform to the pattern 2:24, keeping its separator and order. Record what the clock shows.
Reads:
5:54
